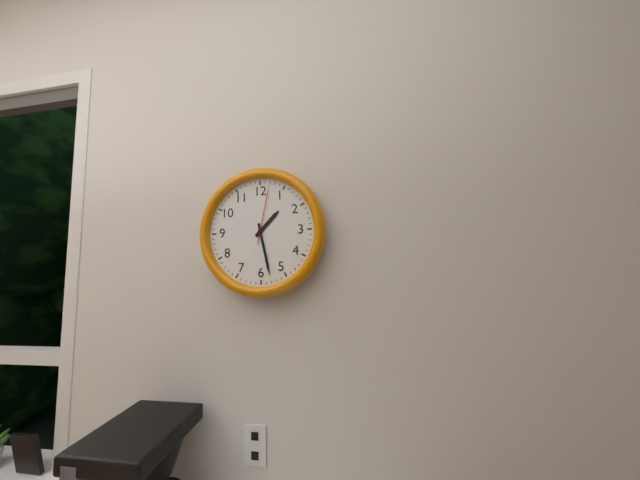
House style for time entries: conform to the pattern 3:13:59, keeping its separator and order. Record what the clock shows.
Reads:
1:28:02
